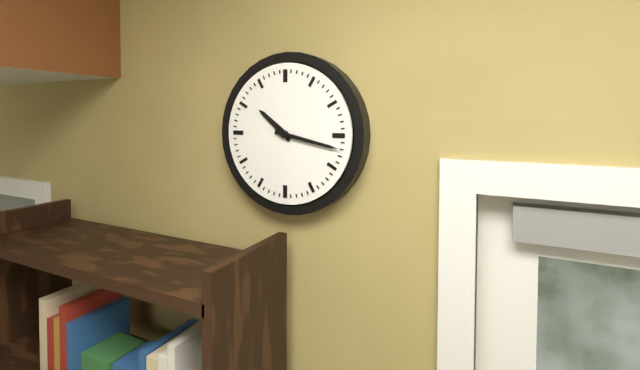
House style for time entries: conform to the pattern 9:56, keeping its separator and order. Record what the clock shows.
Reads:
10:17
